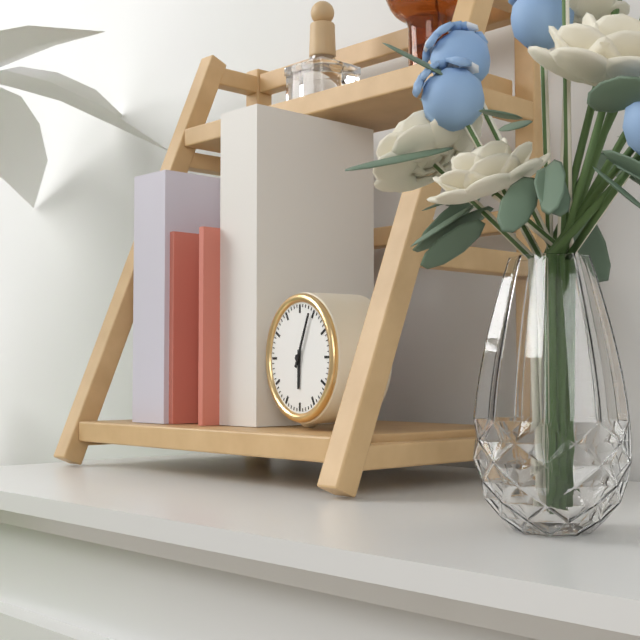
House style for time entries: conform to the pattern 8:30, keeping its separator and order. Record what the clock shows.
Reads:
6:04
